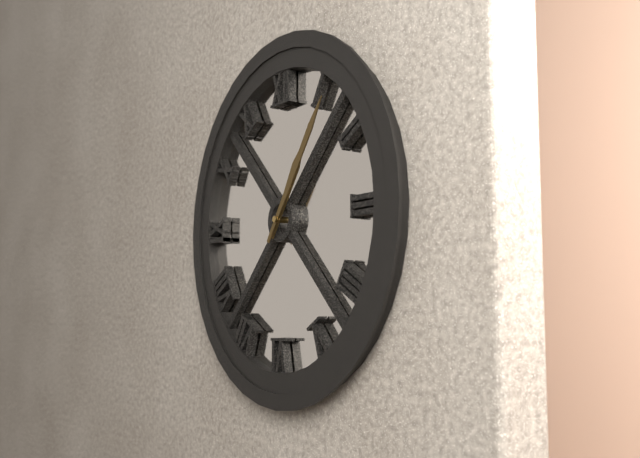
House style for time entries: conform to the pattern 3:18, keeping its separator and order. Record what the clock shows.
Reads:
1:06
